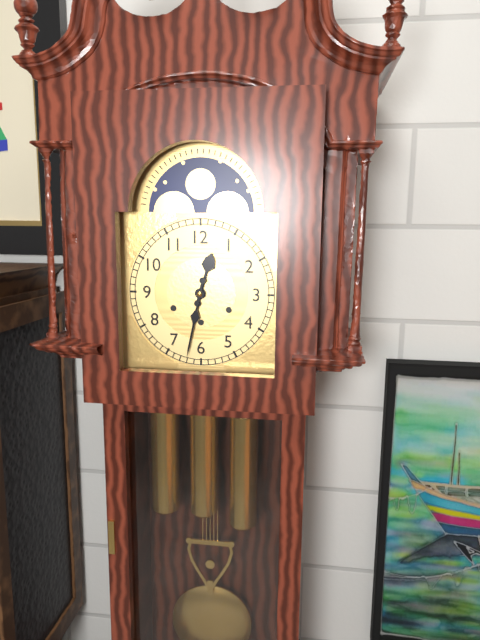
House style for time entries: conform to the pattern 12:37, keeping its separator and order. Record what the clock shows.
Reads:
12:32
